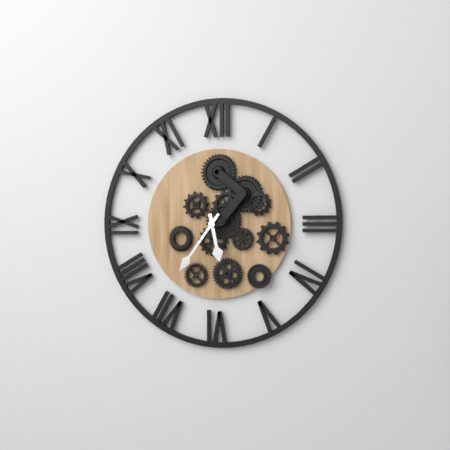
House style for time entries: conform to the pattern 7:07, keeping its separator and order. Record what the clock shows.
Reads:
5:36
